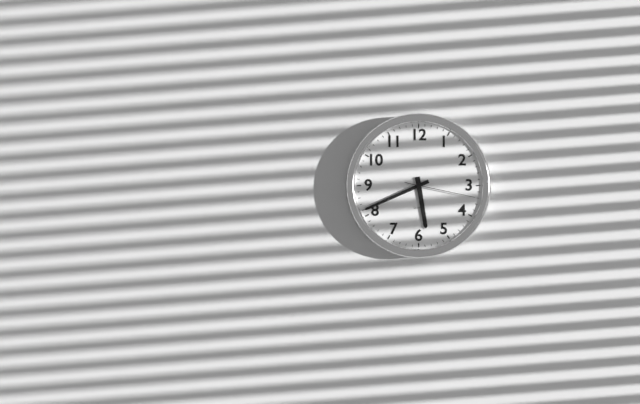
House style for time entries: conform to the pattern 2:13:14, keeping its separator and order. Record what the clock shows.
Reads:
5:41:17
